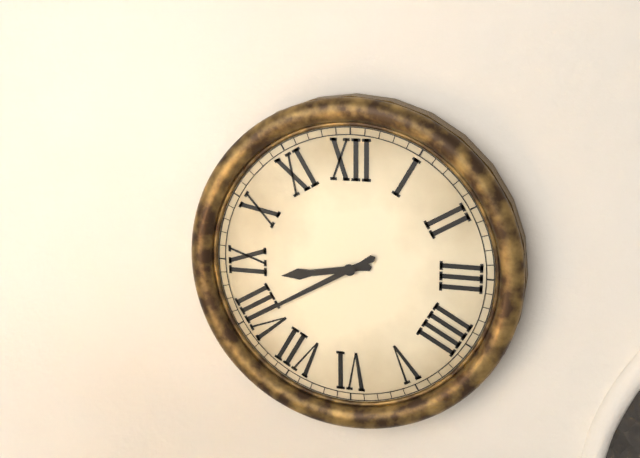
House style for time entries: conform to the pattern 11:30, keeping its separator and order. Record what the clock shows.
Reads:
8:40
